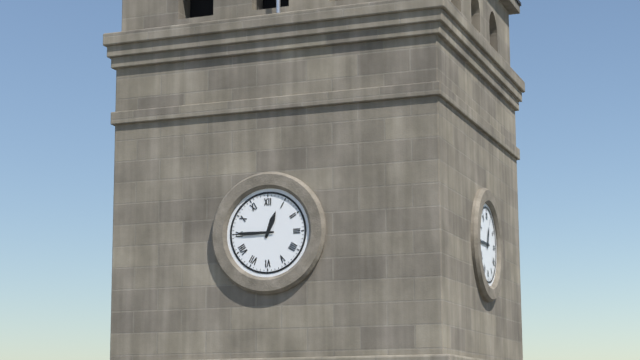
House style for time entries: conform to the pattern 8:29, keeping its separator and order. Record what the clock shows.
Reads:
12:45
